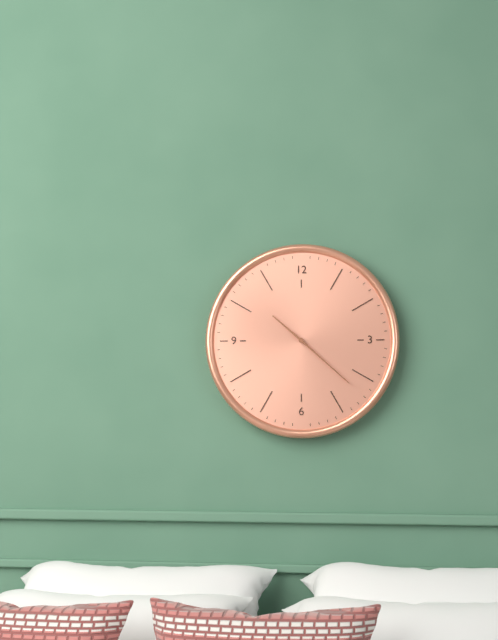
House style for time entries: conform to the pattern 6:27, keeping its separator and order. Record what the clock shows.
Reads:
10:22
